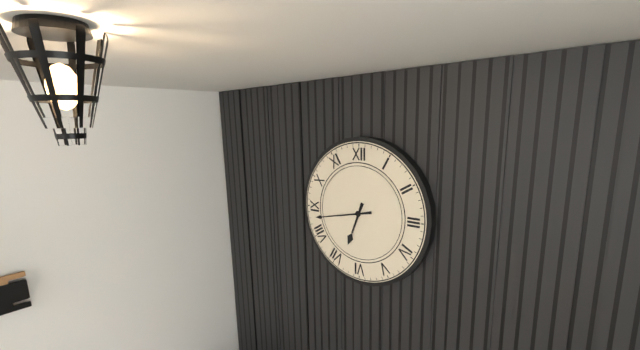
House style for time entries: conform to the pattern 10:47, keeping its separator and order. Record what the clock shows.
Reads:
6:43
